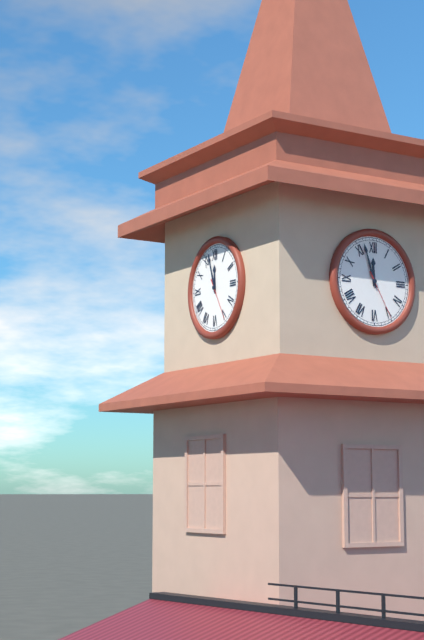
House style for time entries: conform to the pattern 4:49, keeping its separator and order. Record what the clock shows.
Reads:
11:57
